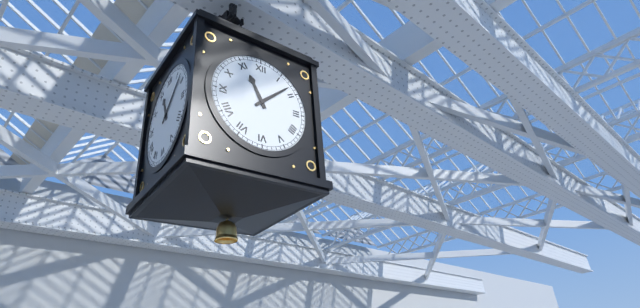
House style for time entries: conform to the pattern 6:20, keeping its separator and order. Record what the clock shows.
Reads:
11:08
